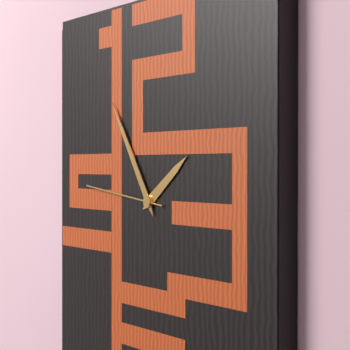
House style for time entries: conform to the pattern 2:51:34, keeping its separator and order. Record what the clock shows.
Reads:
1:54:46
